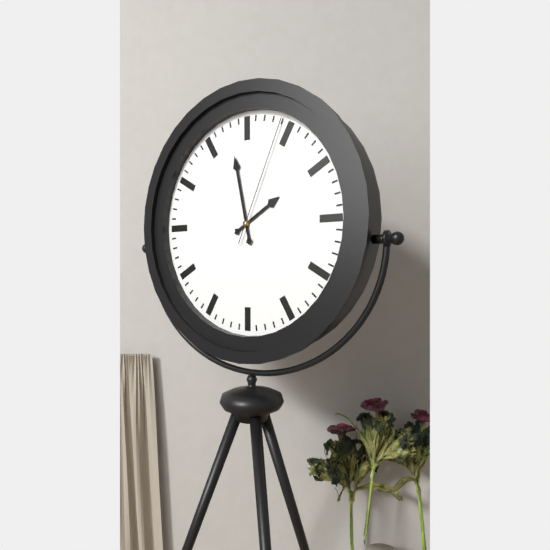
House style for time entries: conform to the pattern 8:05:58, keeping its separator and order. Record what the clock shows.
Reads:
1:58:04
